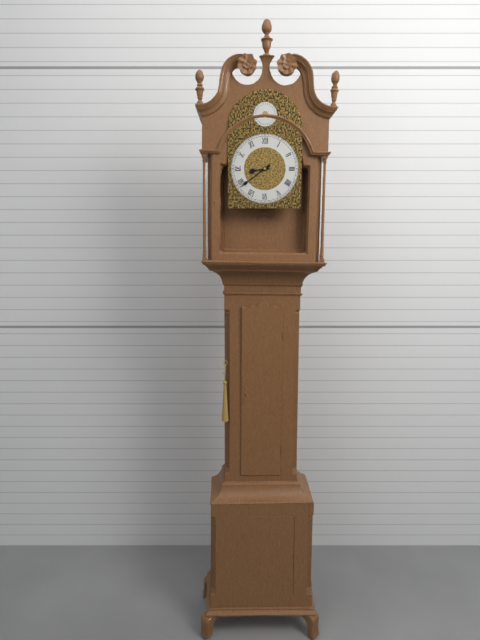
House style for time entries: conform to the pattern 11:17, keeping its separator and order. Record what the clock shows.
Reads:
8:39
